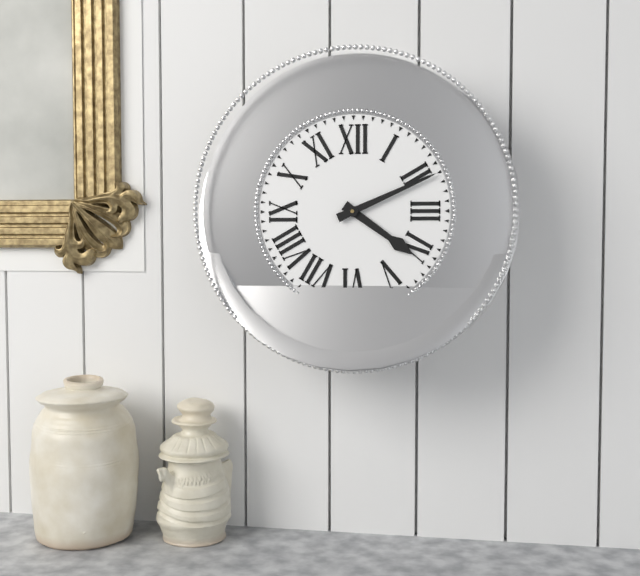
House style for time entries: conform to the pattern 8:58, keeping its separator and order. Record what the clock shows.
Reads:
4:11
